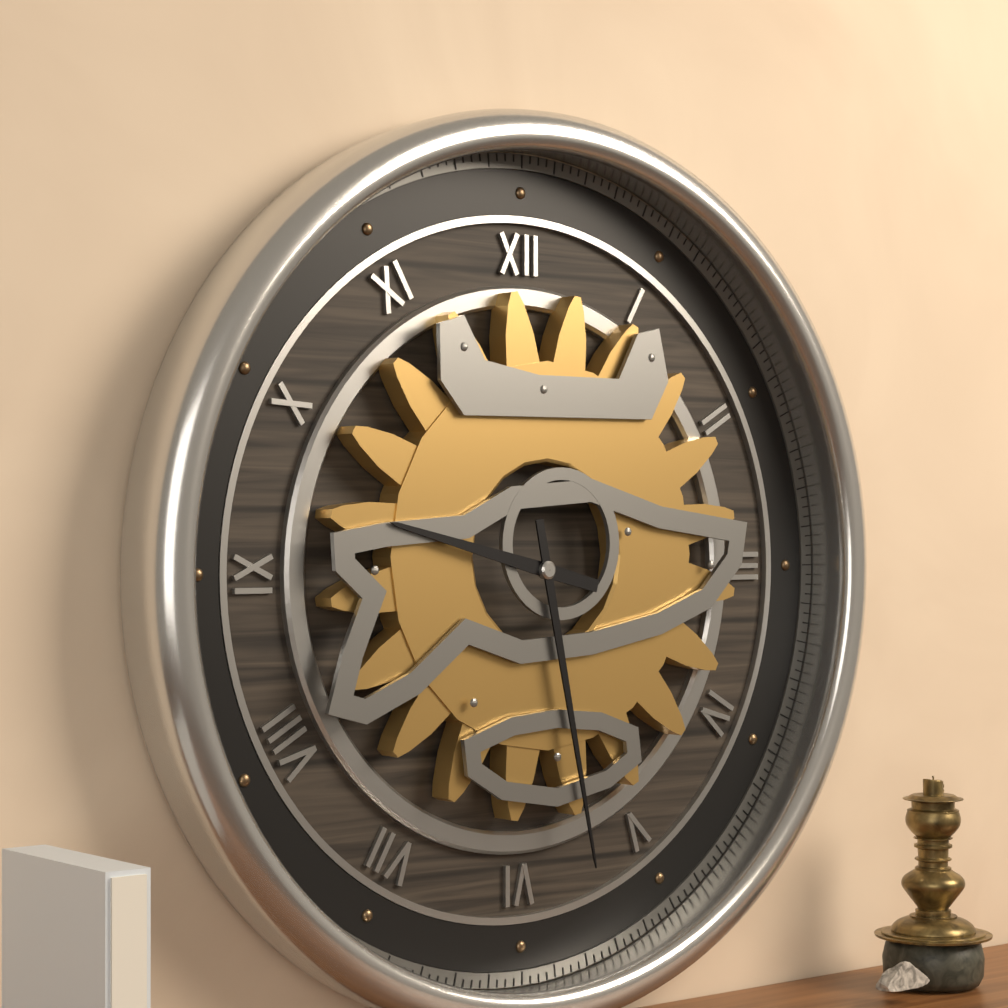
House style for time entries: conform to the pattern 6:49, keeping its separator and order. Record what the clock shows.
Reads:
9:28
